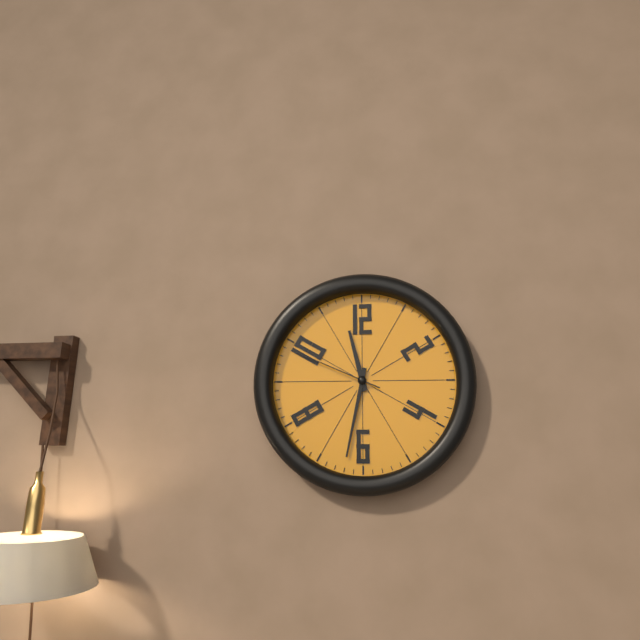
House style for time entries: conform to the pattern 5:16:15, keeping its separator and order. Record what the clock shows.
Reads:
11:32:49
